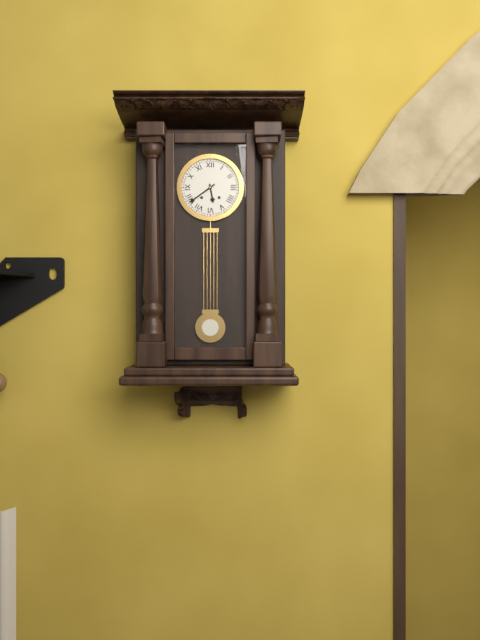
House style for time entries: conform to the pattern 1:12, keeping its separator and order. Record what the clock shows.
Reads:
5:39
